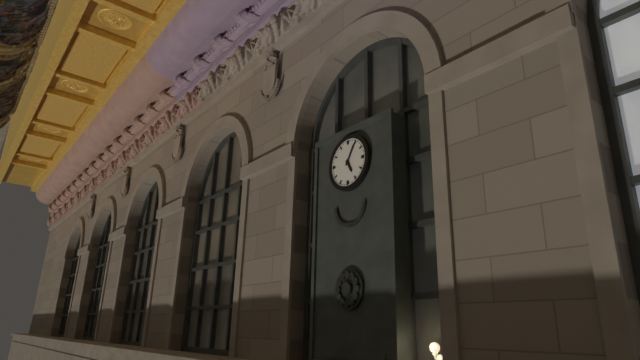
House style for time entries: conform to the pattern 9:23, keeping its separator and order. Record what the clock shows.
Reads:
5:05
